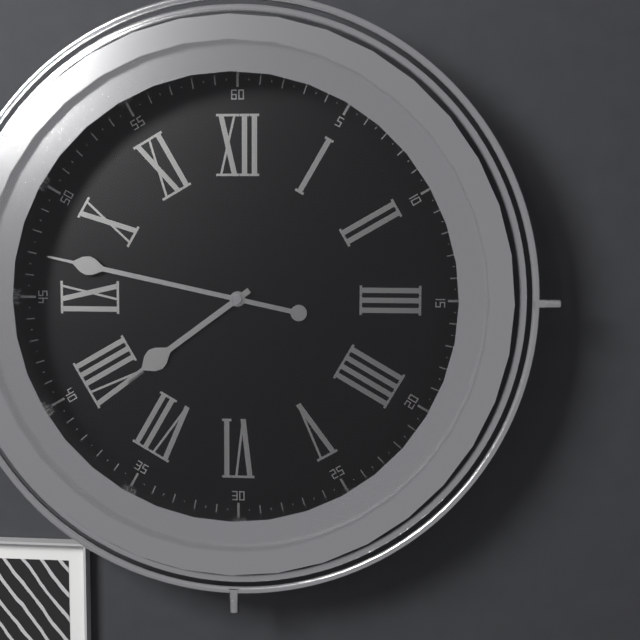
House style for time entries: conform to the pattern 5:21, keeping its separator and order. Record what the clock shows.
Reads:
7:47
